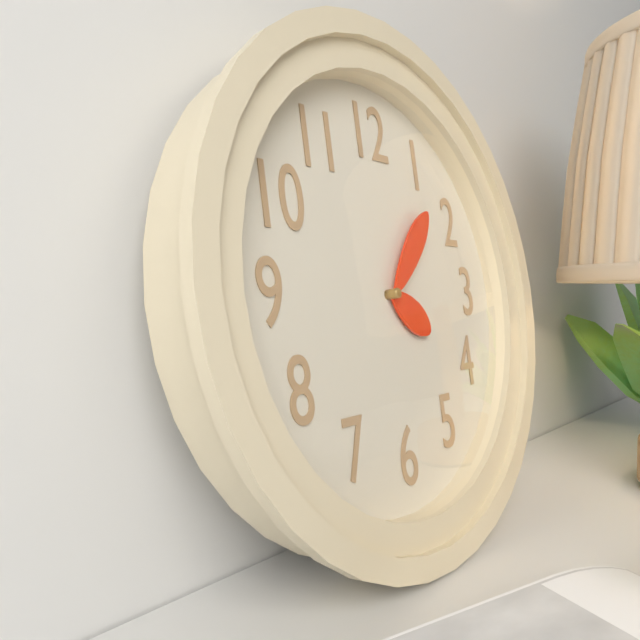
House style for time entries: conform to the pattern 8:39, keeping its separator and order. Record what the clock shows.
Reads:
4:07
